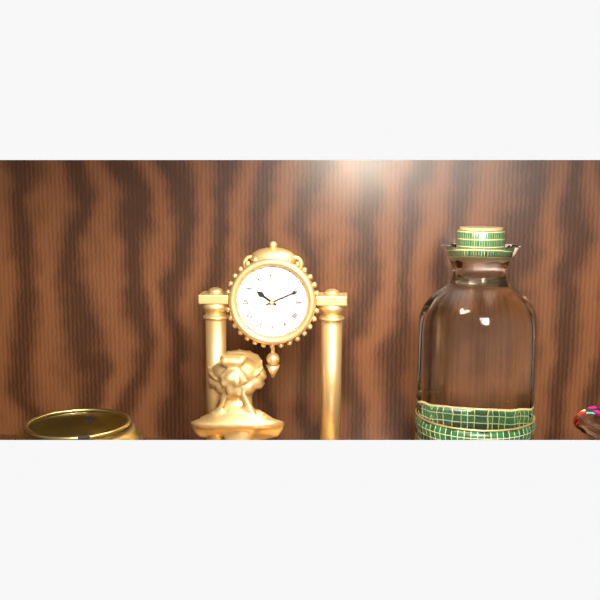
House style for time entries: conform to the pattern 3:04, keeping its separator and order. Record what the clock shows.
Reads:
10:11
